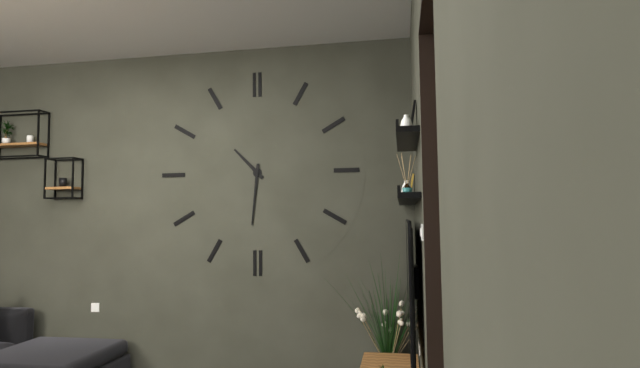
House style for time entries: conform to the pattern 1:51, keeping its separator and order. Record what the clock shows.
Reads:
10:31
